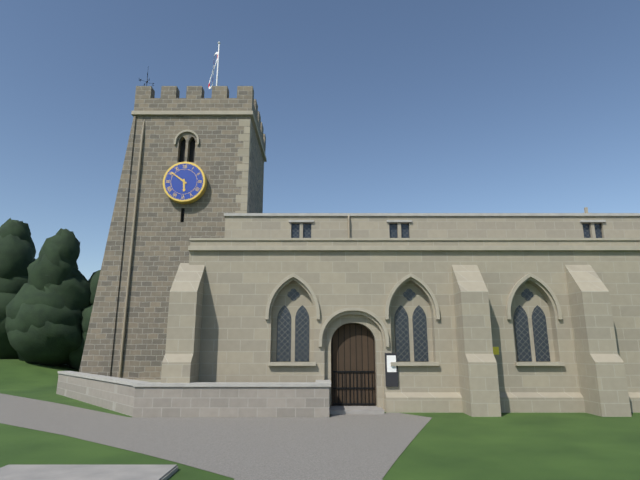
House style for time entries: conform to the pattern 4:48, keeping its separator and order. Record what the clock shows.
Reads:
5:51
